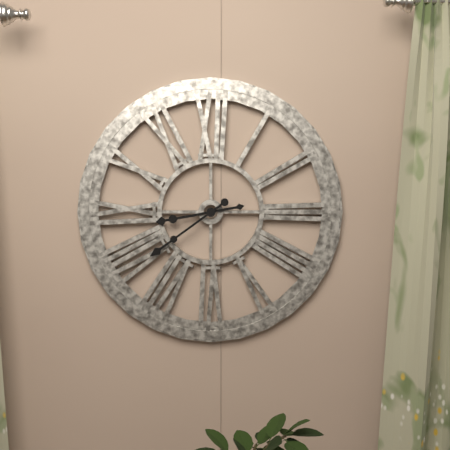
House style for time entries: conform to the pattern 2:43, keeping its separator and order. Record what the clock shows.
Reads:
8:39
